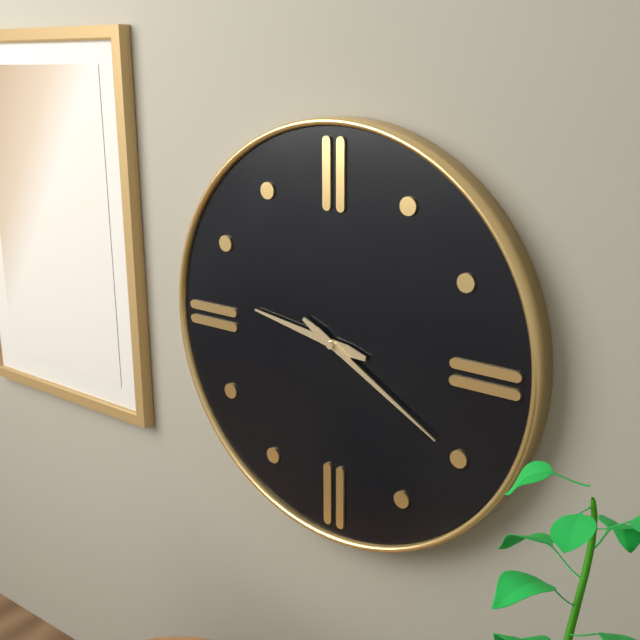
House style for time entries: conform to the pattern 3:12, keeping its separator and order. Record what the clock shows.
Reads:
9:20
